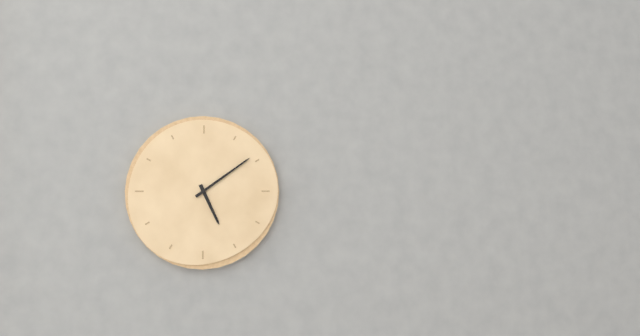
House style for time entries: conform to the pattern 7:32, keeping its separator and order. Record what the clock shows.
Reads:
5:09
